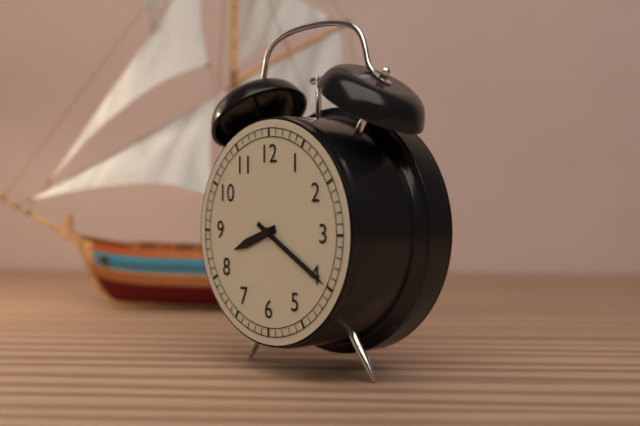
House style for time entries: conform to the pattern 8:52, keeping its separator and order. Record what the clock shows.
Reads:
8:20
